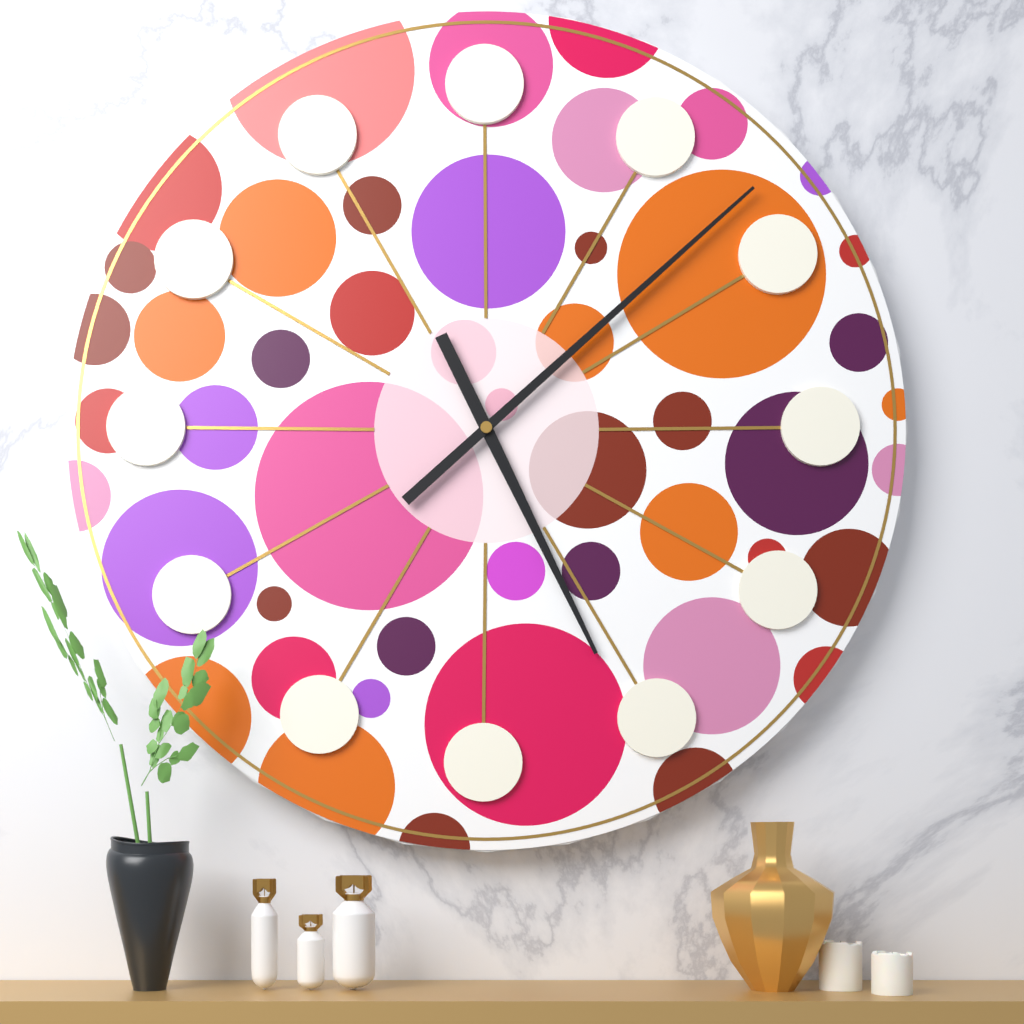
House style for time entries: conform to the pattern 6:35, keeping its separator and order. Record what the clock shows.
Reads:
5:08
